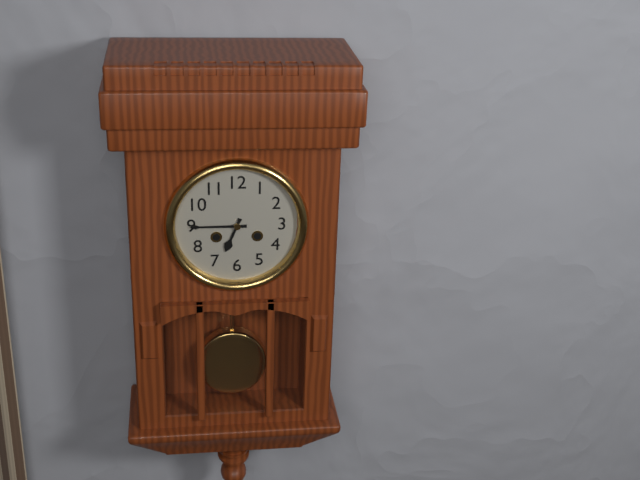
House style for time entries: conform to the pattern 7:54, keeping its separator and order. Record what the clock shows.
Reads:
6:45
